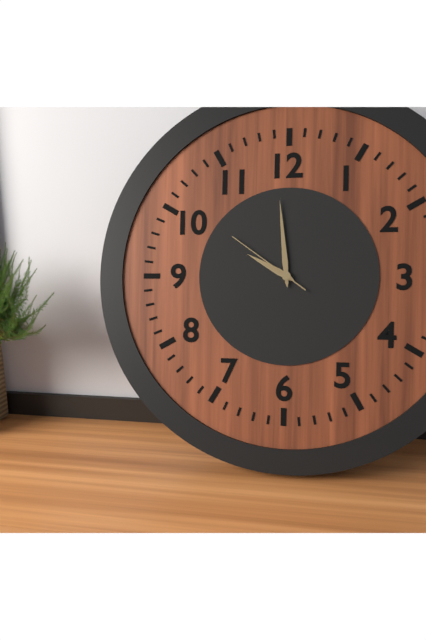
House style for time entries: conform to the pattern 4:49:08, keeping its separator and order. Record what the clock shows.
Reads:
9:59:51
